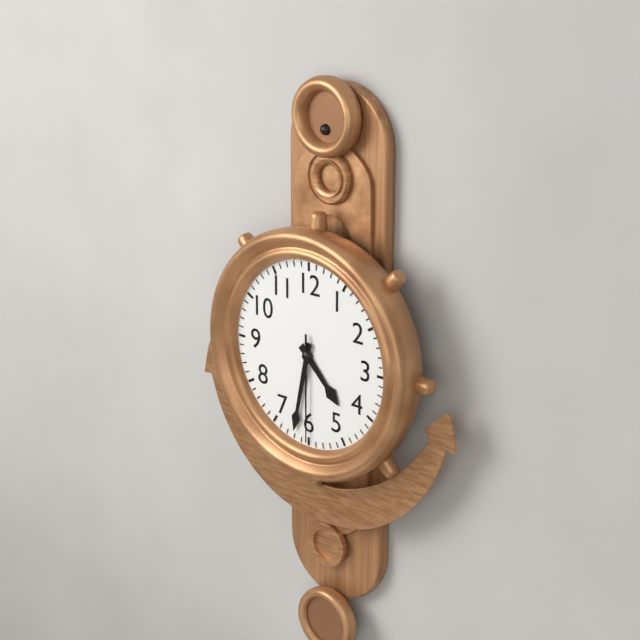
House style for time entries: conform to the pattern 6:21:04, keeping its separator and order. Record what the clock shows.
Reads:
4:32:30
